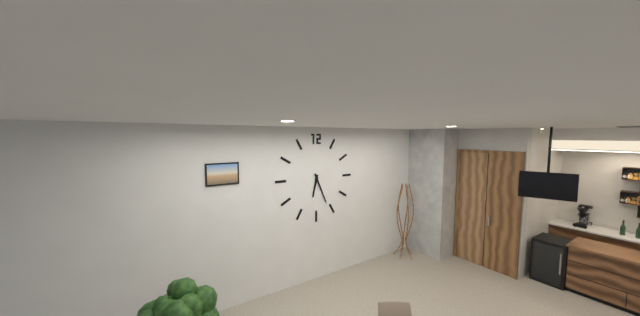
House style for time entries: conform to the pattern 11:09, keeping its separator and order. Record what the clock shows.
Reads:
6:26
